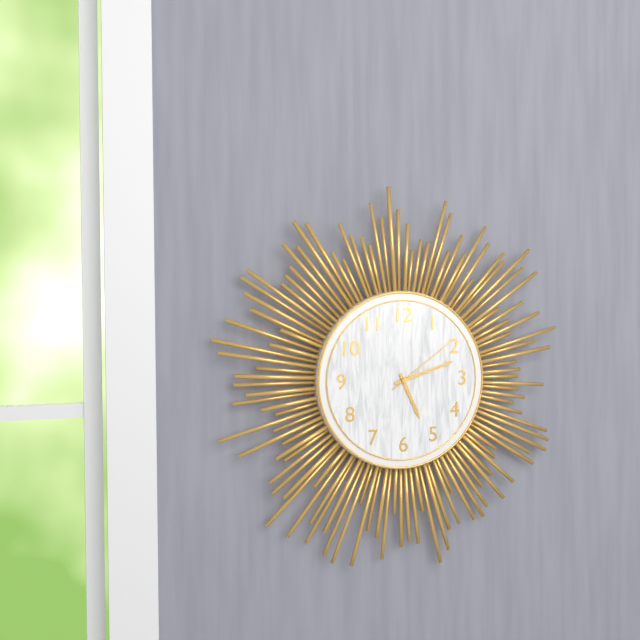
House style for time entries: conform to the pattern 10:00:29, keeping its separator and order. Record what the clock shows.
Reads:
5:12:09
